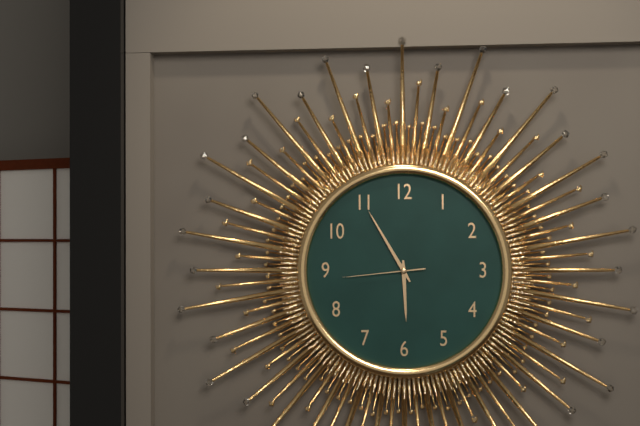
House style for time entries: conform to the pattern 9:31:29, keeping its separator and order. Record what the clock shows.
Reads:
5:55:44
